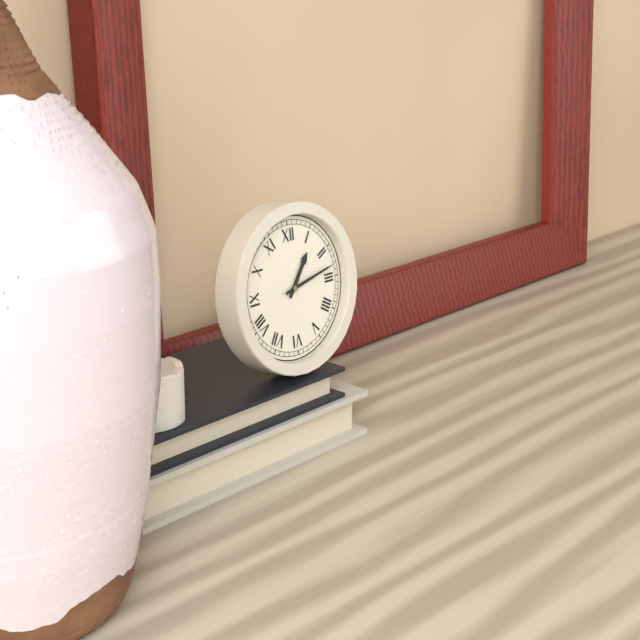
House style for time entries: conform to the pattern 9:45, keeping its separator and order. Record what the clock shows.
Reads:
1:13
